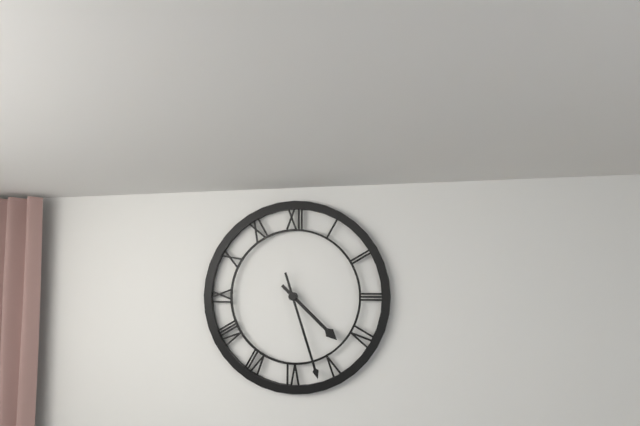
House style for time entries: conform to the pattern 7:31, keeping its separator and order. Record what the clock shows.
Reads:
4:27
